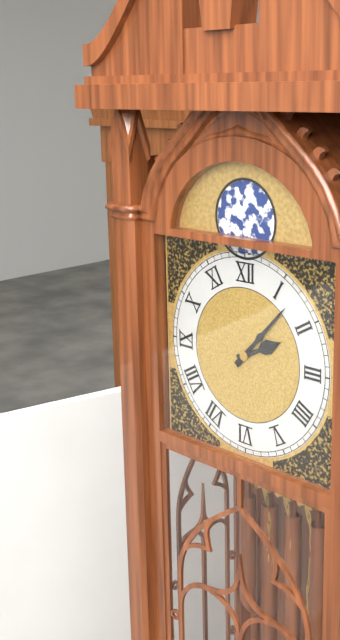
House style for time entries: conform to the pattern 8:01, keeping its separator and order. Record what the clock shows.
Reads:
2:07
